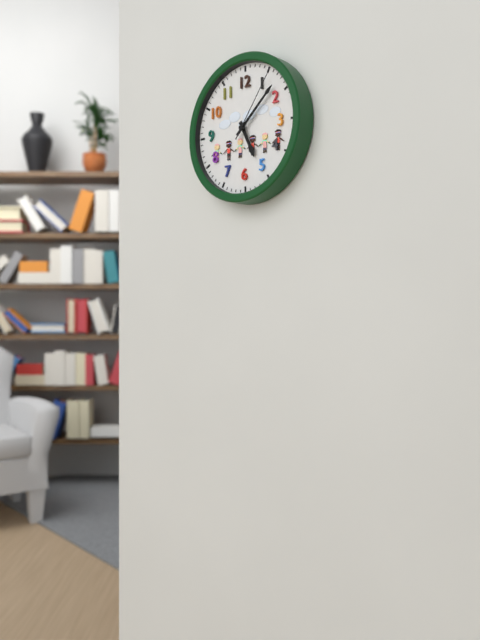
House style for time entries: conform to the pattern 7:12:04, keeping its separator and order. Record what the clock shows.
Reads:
5:08:06
